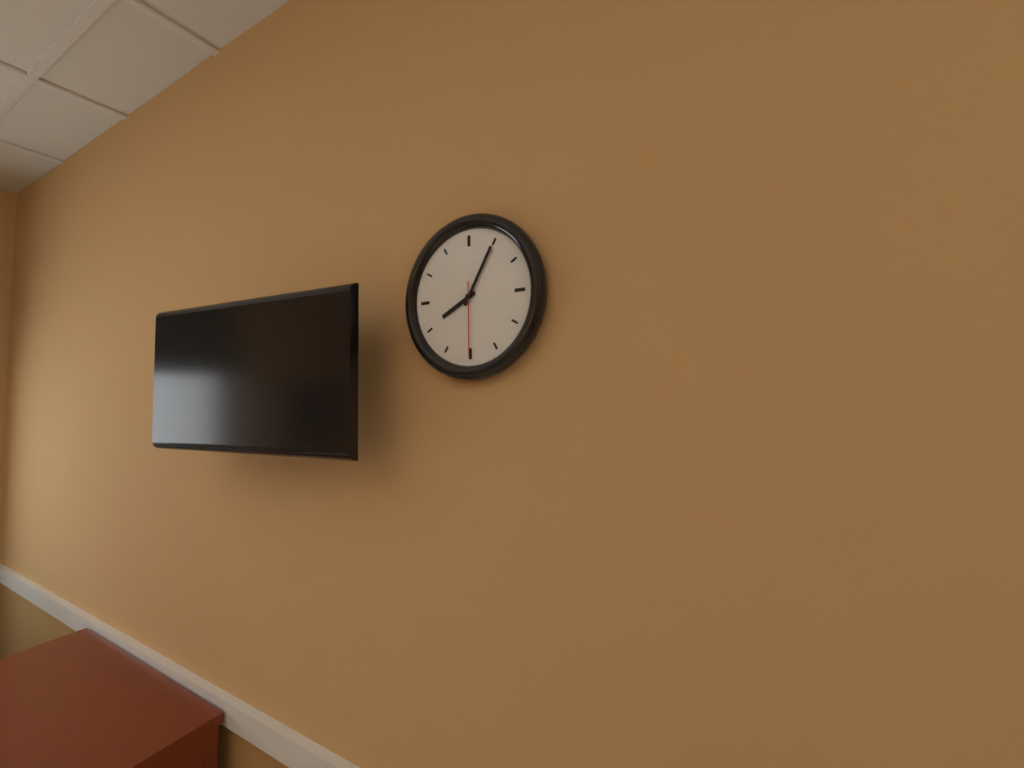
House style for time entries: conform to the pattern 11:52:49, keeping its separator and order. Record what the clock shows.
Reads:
8:05:30
